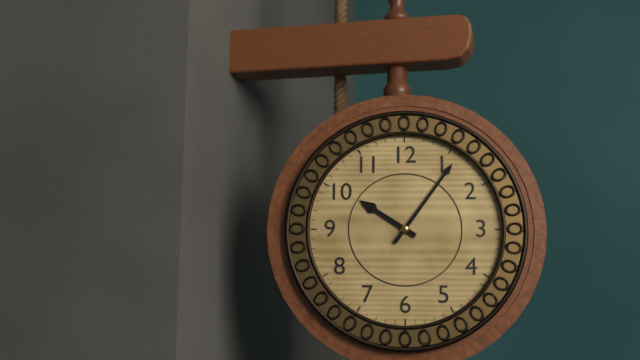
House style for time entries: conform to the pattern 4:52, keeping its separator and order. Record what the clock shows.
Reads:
10:06
